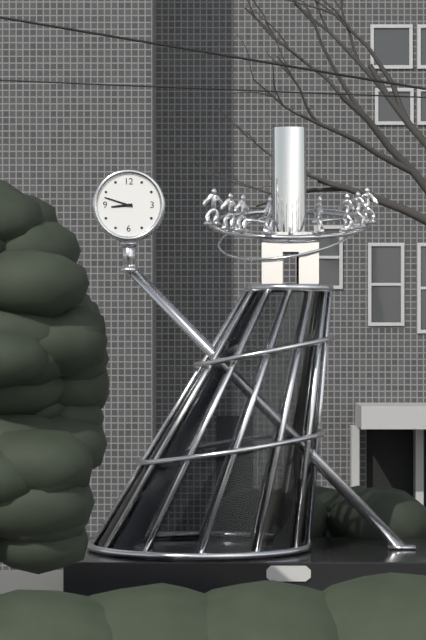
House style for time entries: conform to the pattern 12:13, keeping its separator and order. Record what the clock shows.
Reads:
8:48
